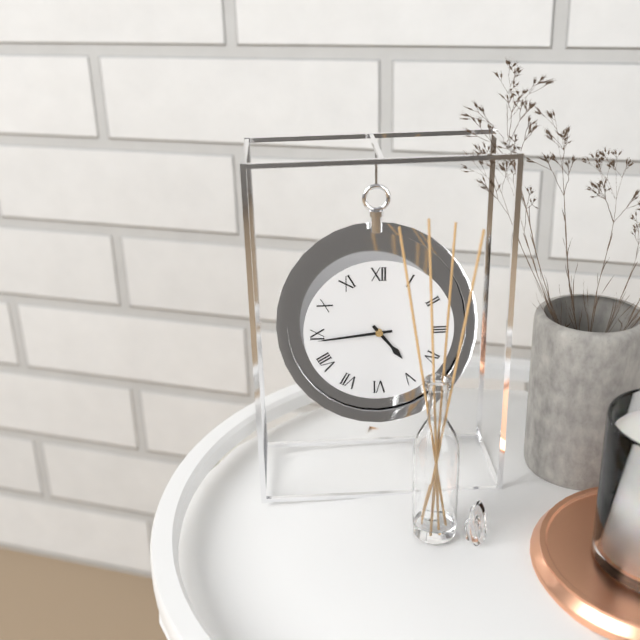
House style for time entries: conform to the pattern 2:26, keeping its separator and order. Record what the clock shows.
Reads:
4:44
